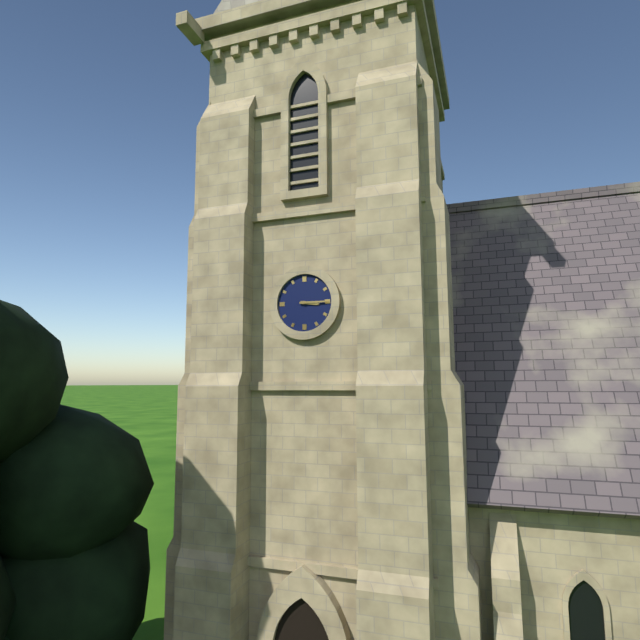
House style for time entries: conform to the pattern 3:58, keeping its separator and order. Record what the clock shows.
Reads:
3:15
